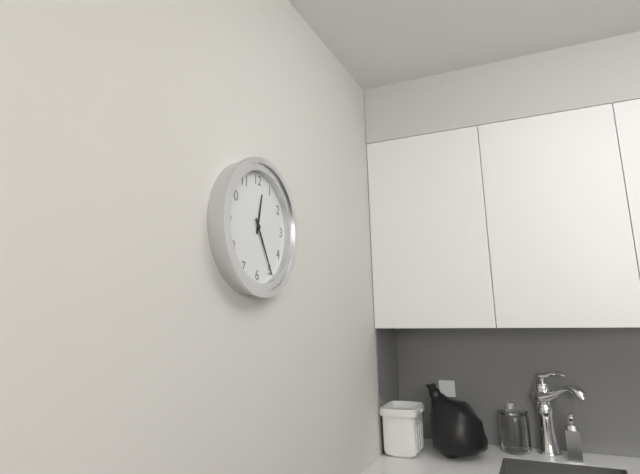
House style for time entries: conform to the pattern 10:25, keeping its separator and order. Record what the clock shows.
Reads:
12:25
